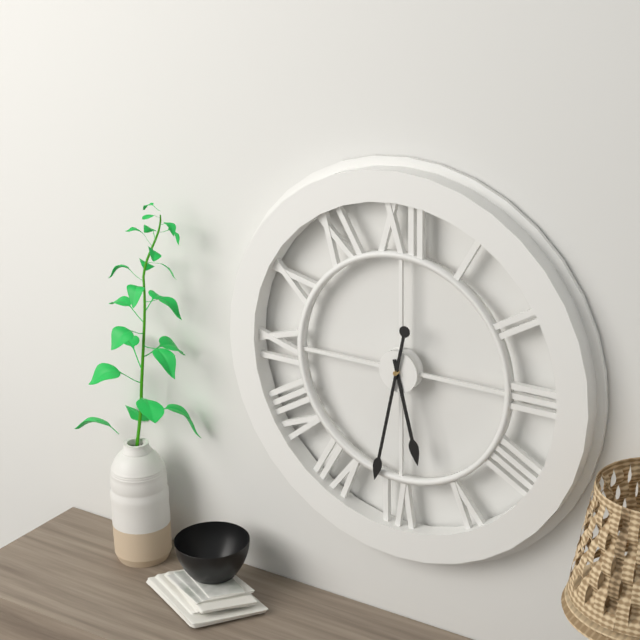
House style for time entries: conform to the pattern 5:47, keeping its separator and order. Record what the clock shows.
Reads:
5:32
